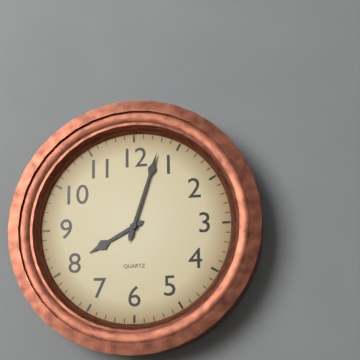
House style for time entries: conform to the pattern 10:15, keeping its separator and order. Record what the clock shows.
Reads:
8:03
